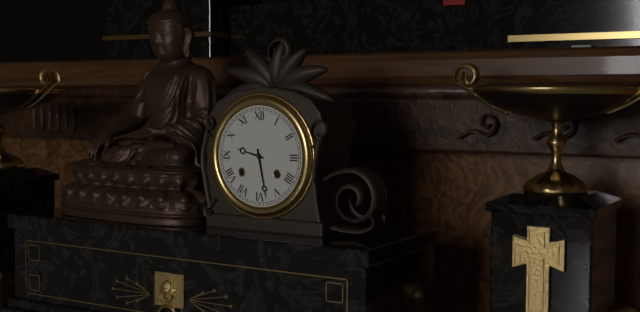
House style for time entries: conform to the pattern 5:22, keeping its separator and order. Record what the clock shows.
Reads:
9:28
